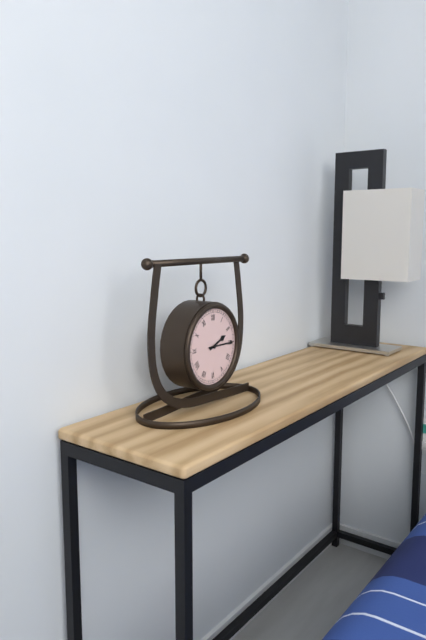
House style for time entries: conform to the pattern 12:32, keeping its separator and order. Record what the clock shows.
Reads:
2:15
